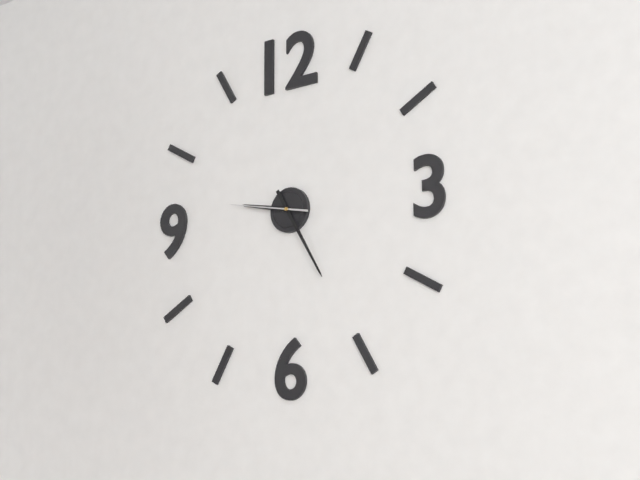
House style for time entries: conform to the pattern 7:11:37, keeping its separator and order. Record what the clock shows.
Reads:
9:25:47
